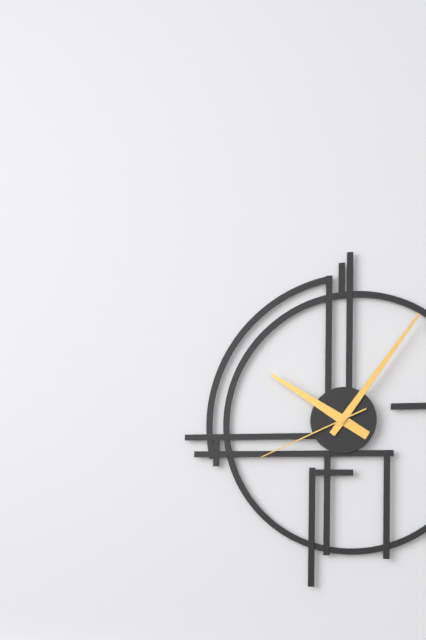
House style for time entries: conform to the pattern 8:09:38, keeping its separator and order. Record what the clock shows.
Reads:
10:06:41
